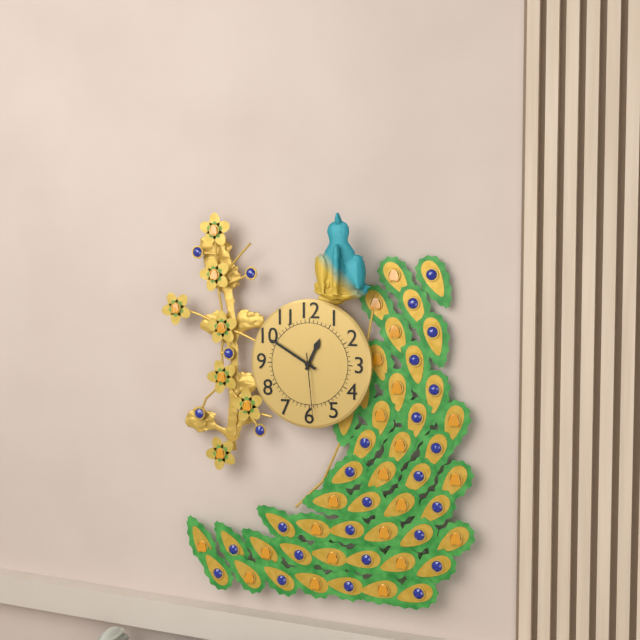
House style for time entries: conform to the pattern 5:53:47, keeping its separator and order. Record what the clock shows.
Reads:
12:50:29
